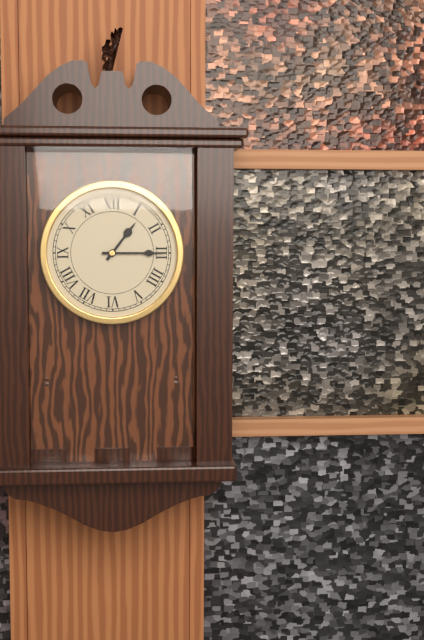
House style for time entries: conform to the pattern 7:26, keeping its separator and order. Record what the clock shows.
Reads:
1:15
